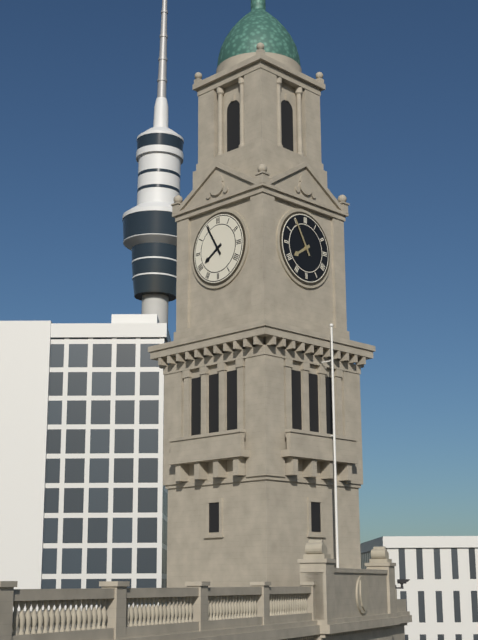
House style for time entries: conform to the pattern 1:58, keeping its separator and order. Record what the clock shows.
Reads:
7:55
